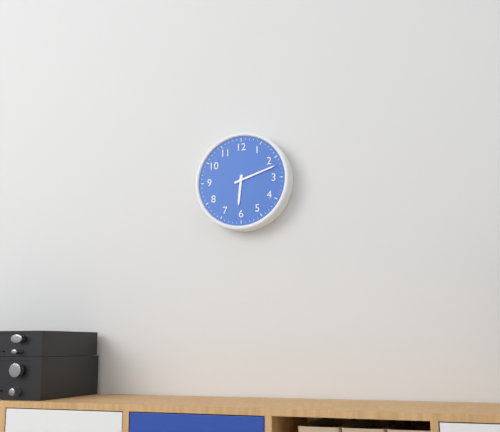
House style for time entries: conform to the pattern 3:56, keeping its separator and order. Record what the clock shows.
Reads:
6:12
